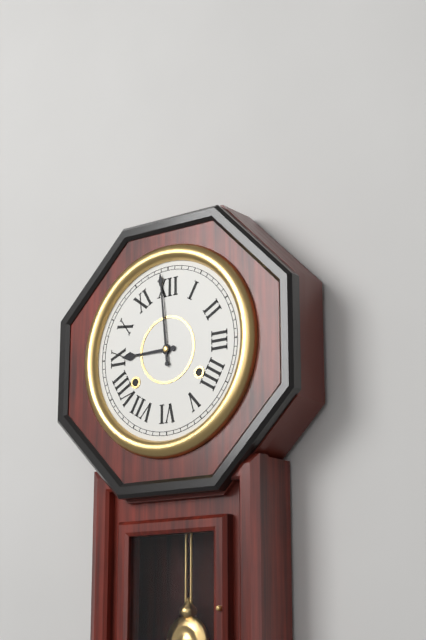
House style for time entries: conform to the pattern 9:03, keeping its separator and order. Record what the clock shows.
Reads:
8:59
